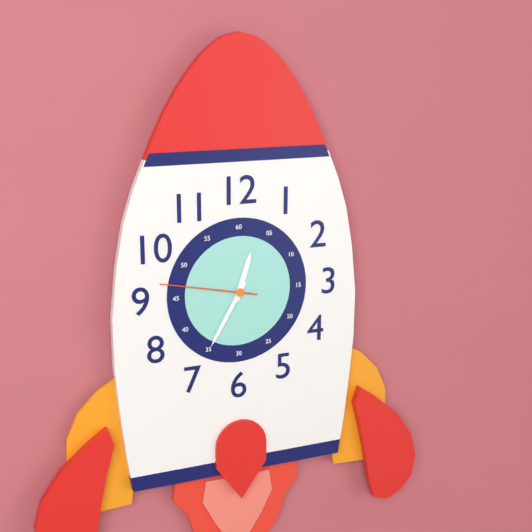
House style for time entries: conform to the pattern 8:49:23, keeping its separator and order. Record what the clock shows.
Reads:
12:35:47
